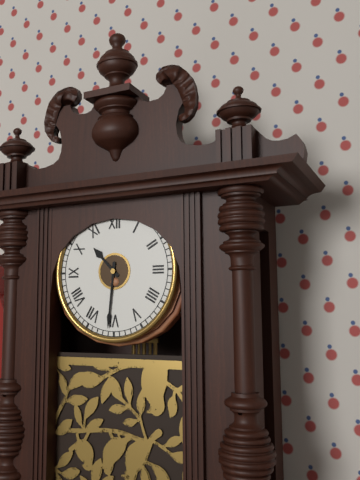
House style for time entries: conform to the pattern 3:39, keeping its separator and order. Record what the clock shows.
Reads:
10:31
